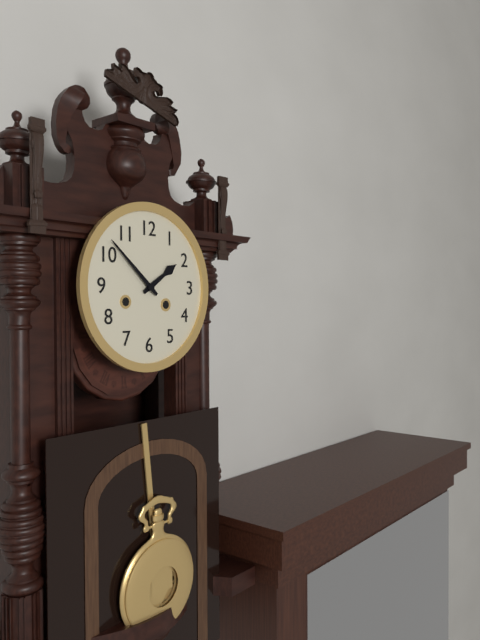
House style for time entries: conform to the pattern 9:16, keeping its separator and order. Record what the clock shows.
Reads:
1:52
